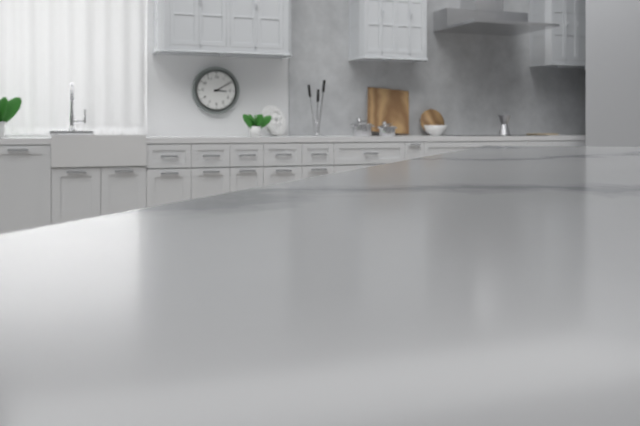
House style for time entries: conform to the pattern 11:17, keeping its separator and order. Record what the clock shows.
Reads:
3:10
